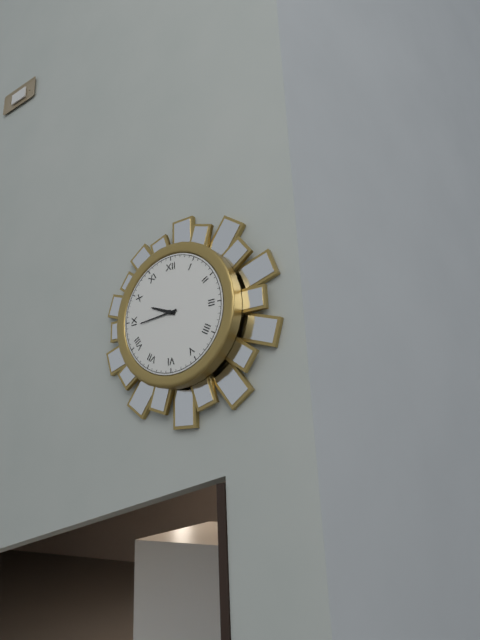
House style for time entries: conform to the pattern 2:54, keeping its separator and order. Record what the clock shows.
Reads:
9:44
